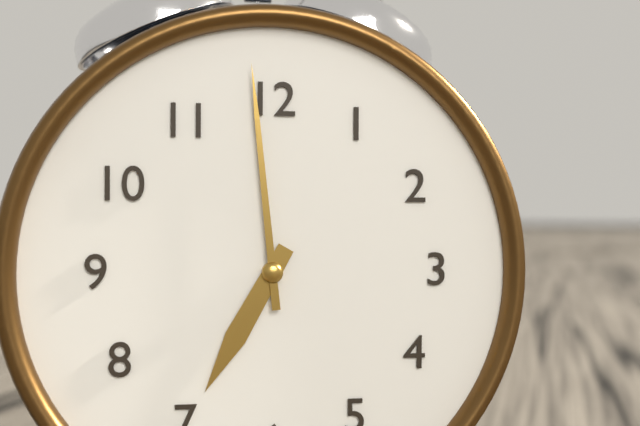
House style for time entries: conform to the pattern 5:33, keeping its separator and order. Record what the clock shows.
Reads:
6:59
